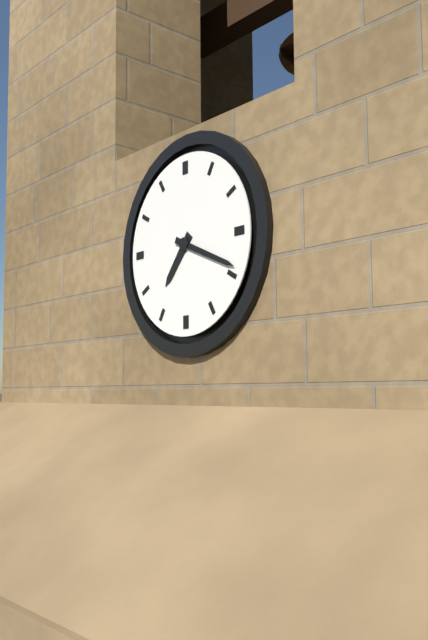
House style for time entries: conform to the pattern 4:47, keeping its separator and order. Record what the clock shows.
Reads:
7:19
